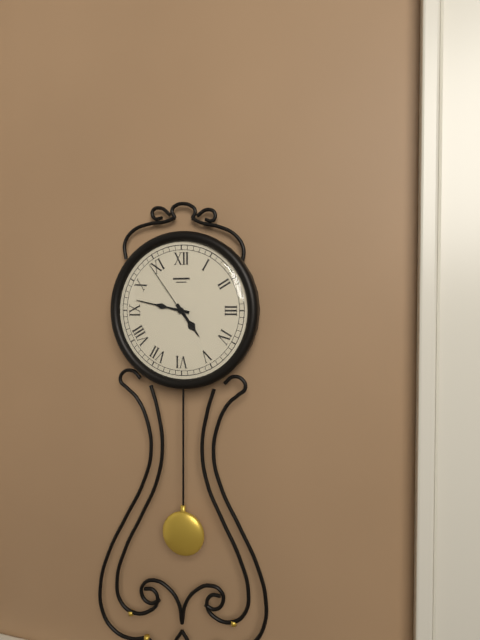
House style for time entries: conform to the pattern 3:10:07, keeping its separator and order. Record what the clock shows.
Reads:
4:47:54
